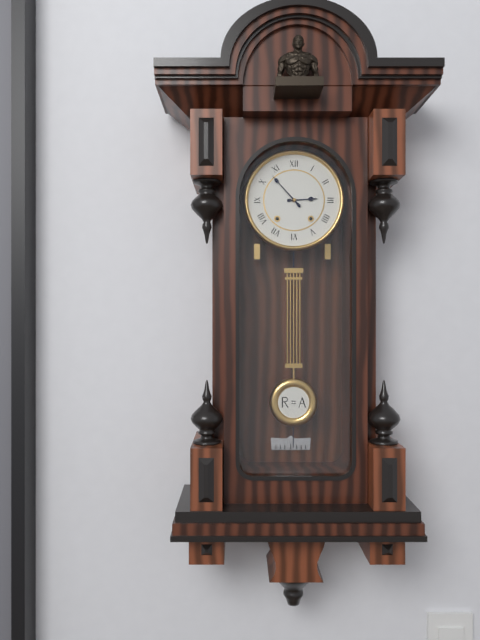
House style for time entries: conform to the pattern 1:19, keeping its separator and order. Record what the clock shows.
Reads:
2:53
